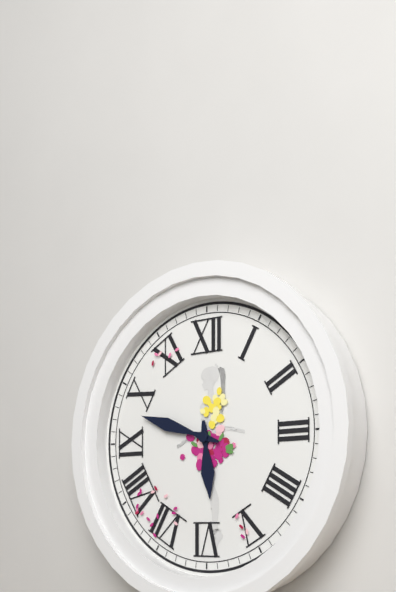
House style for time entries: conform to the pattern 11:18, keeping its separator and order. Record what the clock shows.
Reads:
5:48
